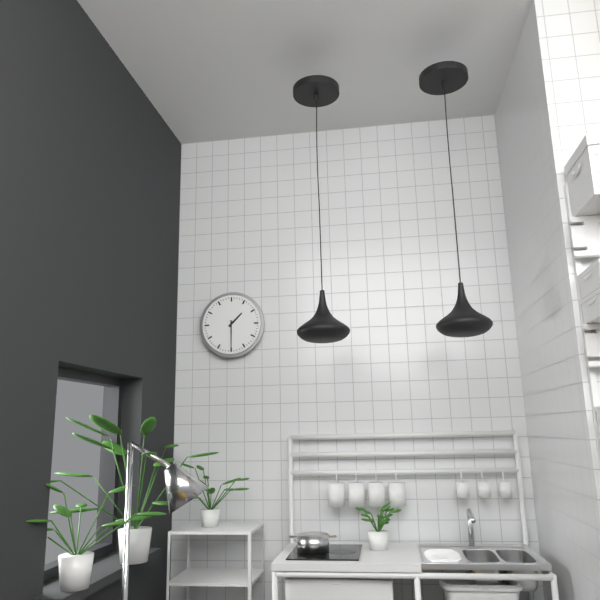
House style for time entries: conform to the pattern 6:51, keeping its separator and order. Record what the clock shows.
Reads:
1:30
